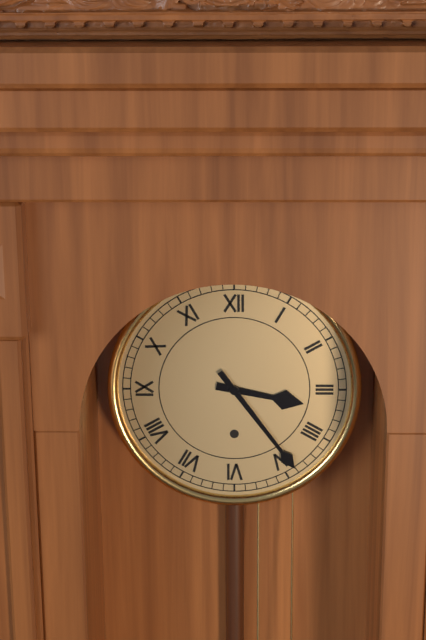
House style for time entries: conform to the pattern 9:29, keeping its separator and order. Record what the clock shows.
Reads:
3:24
